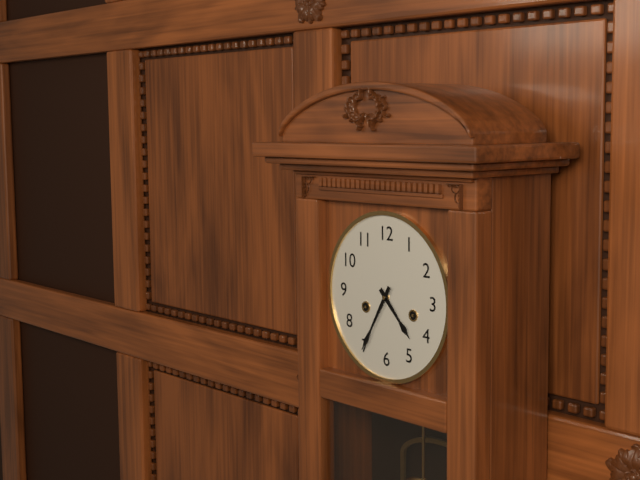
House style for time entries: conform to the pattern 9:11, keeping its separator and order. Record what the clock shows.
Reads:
4:35
